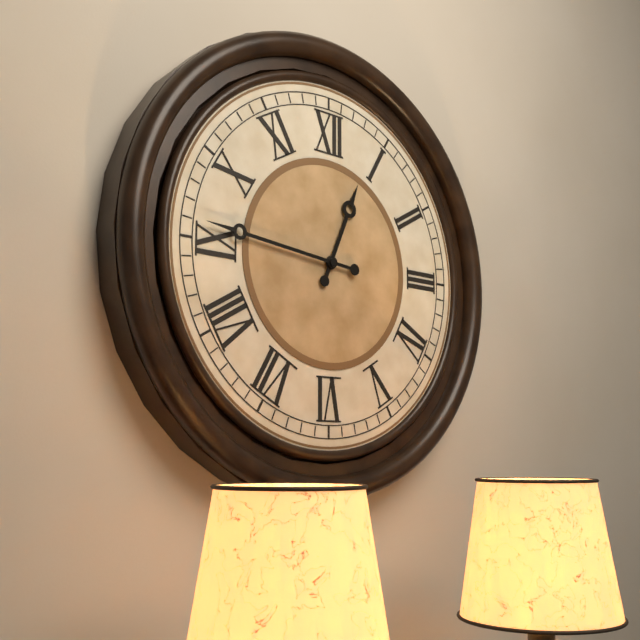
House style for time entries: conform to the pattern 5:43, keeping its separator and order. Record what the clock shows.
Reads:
12:46
